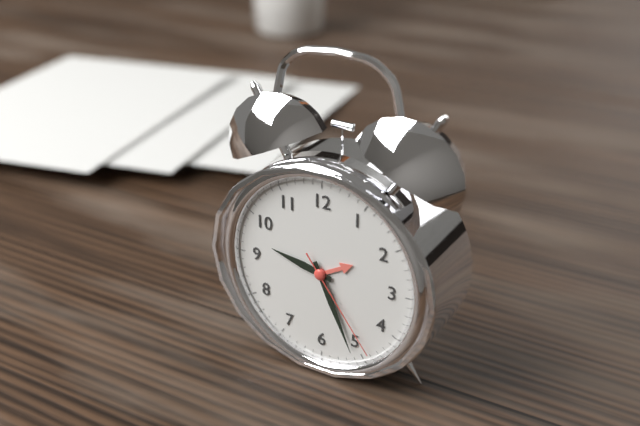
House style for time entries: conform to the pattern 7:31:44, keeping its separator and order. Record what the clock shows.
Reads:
9:26:24
